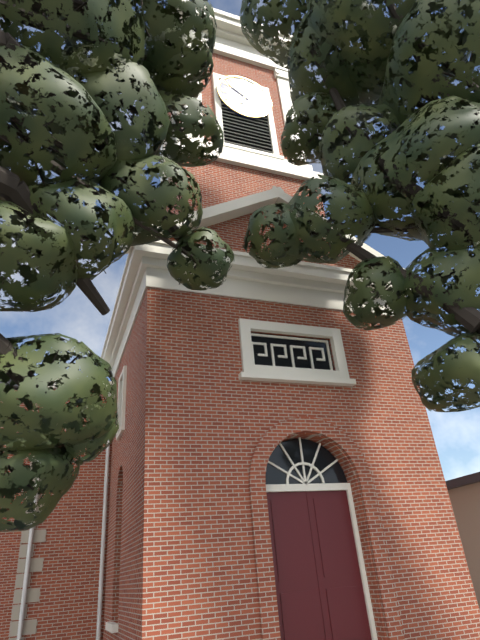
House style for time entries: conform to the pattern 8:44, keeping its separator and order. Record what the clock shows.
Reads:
6:51
